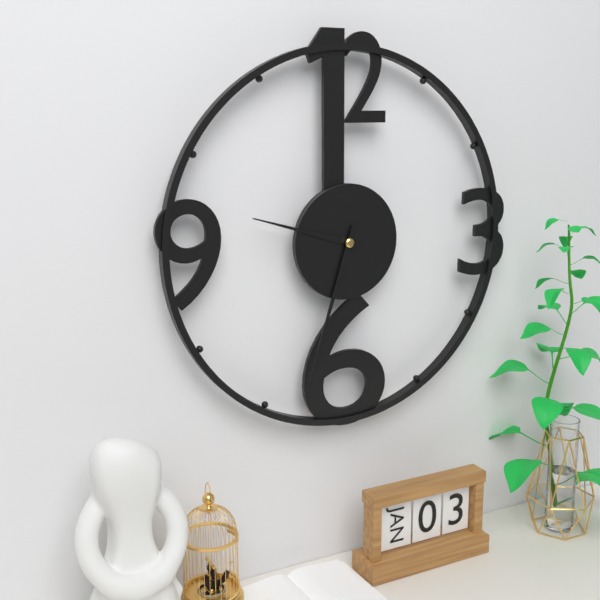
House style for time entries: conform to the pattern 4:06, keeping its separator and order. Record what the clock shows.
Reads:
9:33
